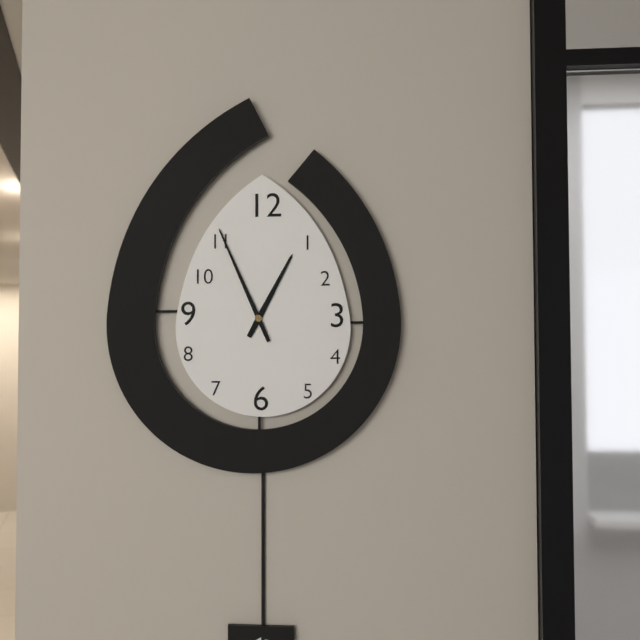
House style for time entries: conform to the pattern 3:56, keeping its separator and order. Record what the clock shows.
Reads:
12:56
